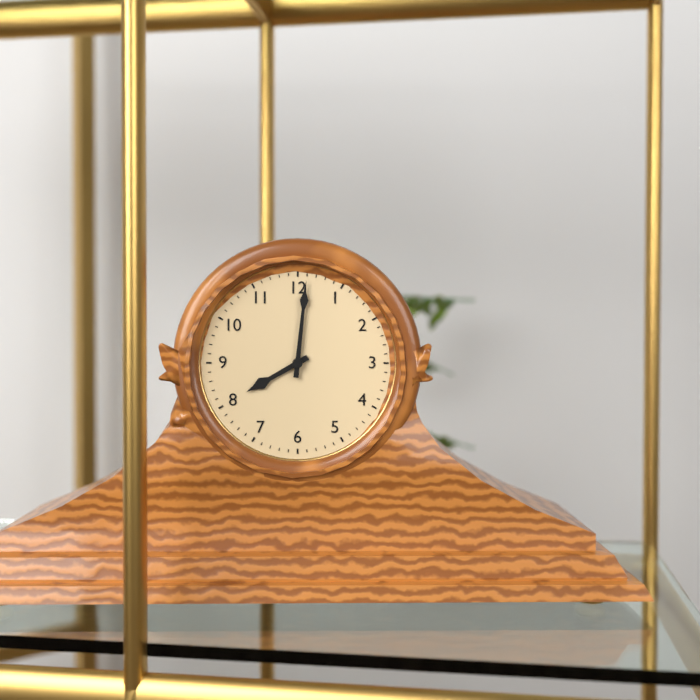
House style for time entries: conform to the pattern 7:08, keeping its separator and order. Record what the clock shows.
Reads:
8:01
